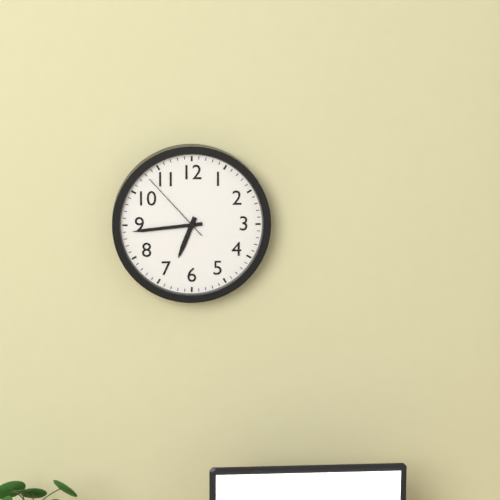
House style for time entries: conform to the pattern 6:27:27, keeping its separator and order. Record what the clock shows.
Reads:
6:44:53
